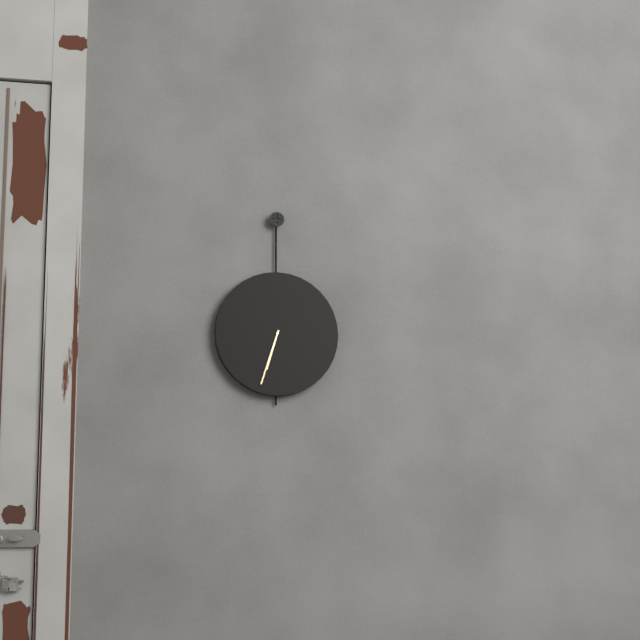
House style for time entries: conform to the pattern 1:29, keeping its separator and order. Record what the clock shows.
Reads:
6:33
